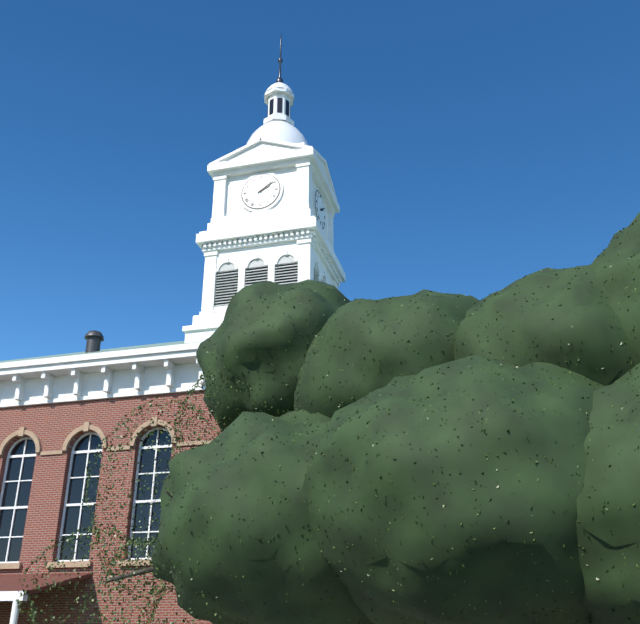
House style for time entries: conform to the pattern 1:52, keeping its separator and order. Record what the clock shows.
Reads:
2:09
